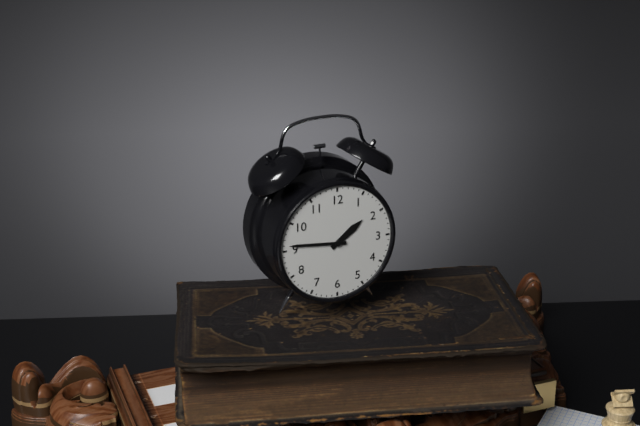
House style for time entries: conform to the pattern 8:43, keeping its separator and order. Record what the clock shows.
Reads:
1:46
